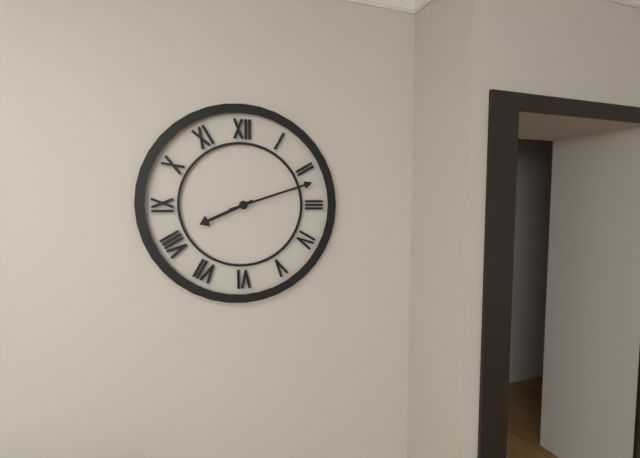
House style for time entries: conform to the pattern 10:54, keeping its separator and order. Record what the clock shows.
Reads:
8:12
